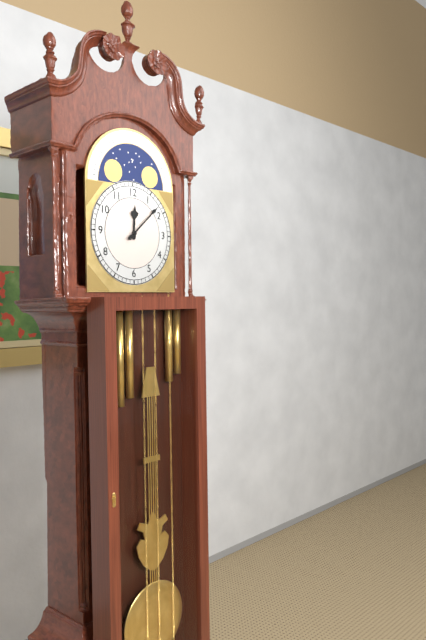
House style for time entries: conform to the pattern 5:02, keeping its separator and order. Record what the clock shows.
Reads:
12:08
